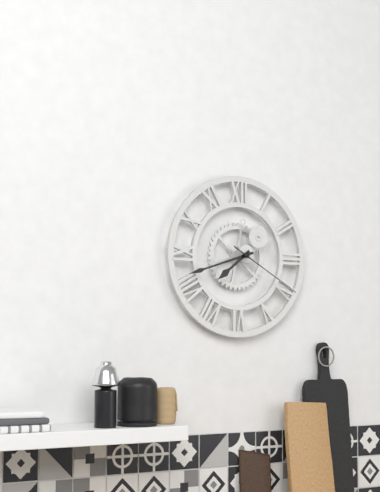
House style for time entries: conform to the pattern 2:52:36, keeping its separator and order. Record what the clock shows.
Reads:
7:42:20
